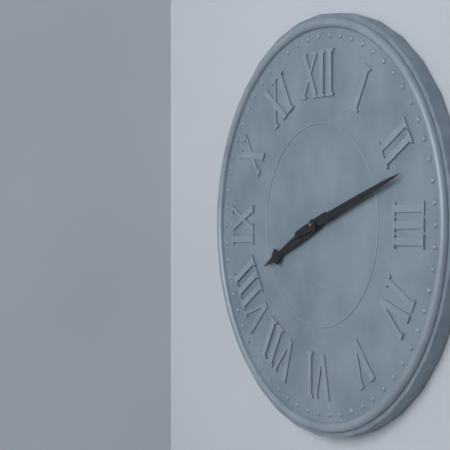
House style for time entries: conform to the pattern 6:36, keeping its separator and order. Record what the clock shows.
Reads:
8:12
